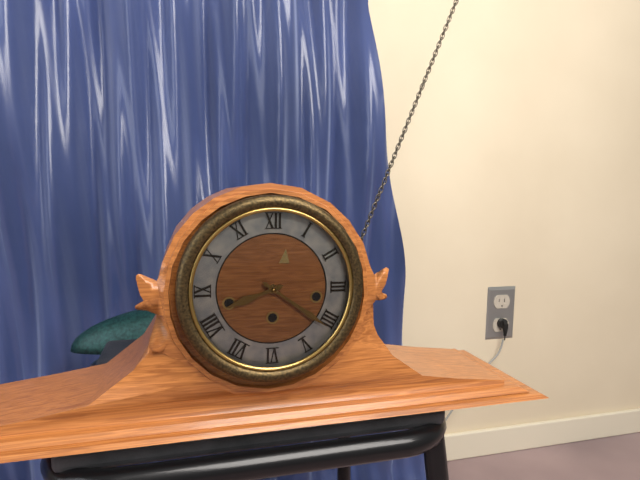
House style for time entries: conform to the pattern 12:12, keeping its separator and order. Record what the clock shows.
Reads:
8:21
